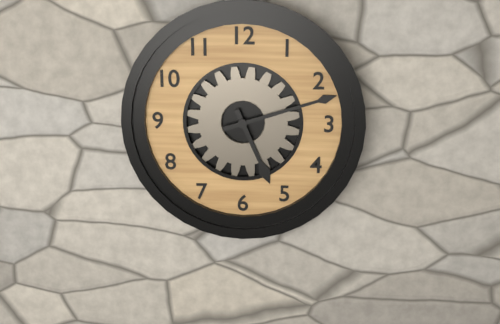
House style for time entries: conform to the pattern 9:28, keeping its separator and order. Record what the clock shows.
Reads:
5:12
